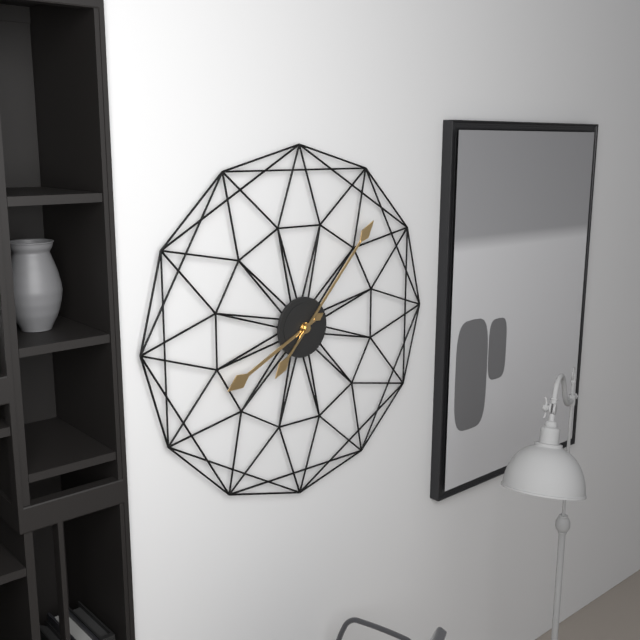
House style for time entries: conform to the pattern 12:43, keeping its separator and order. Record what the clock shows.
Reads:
8:07
